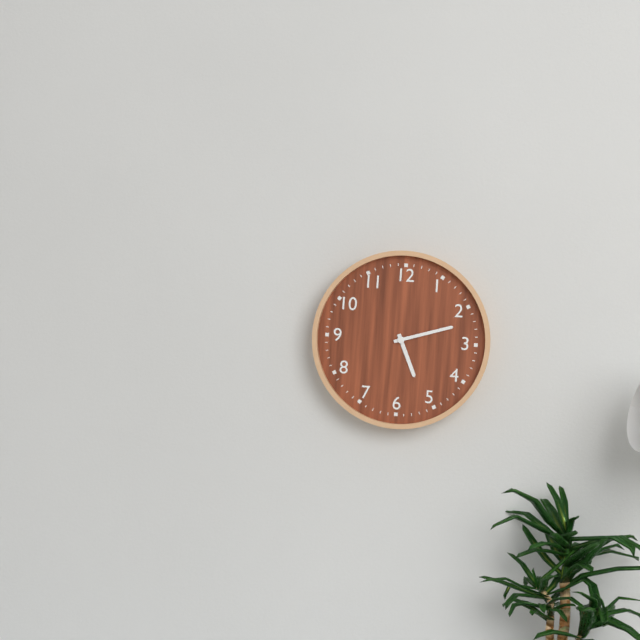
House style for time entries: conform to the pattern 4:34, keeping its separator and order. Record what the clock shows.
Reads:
5:12
